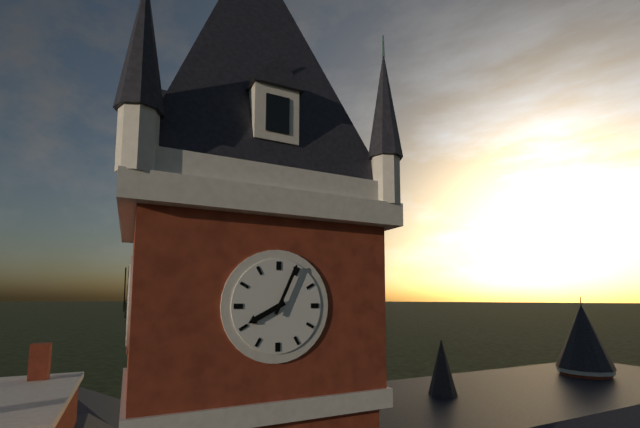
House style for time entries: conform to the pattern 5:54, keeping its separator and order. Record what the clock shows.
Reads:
8:04
